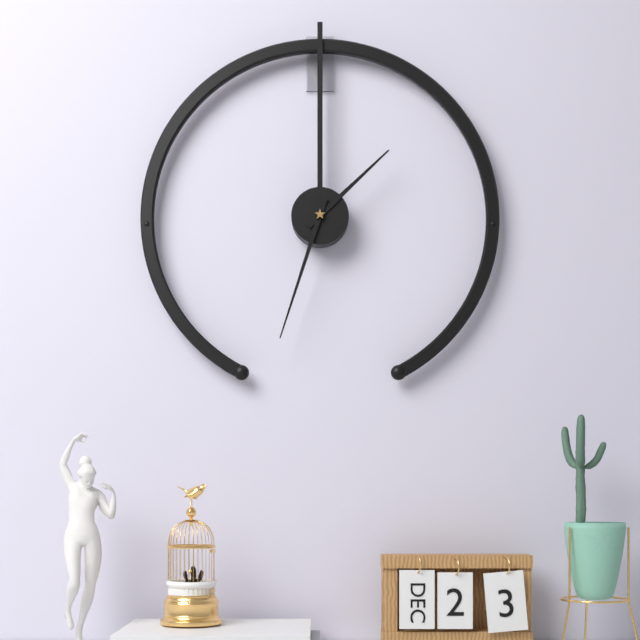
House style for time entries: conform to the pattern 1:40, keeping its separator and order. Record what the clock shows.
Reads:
1:33
